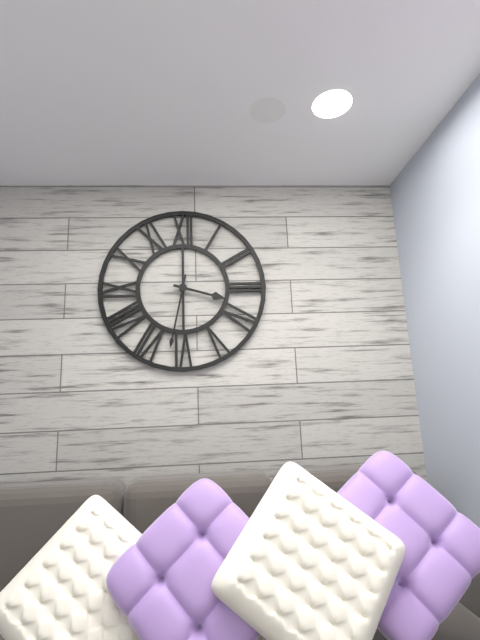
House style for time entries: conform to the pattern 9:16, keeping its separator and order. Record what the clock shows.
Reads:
3:32
